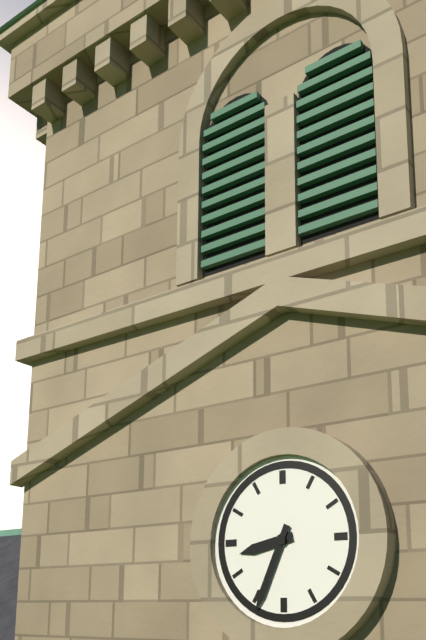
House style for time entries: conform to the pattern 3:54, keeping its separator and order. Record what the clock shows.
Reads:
8:34
